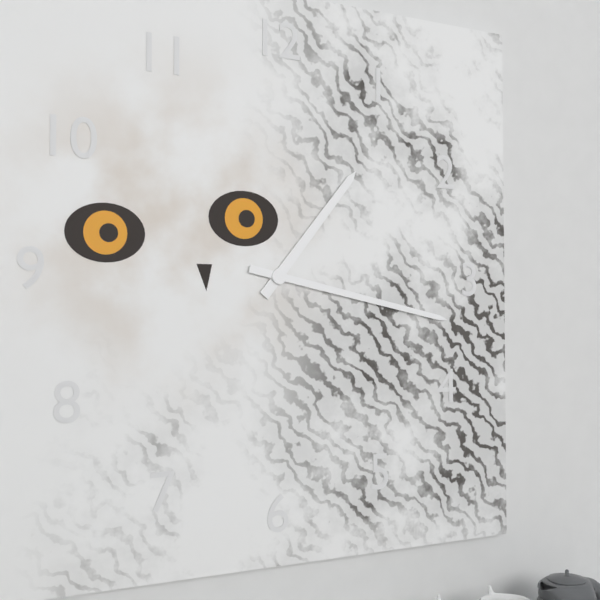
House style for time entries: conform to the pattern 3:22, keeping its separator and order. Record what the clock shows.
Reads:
1:17
